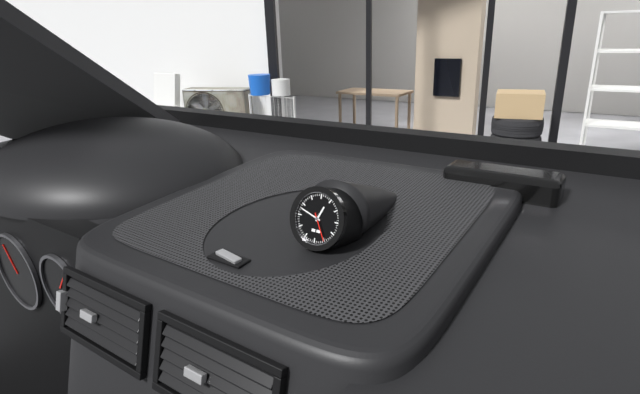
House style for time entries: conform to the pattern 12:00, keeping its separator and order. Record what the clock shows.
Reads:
12:48
